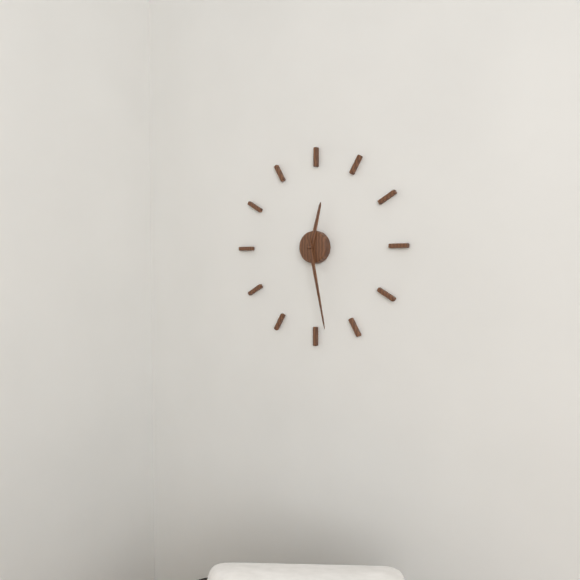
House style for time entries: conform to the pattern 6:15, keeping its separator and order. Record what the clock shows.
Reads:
12:28
